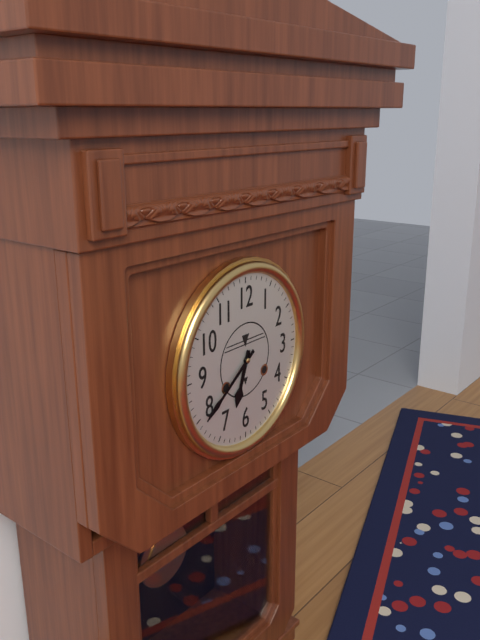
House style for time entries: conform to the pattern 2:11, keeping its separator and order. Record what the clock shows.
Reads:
6:39
